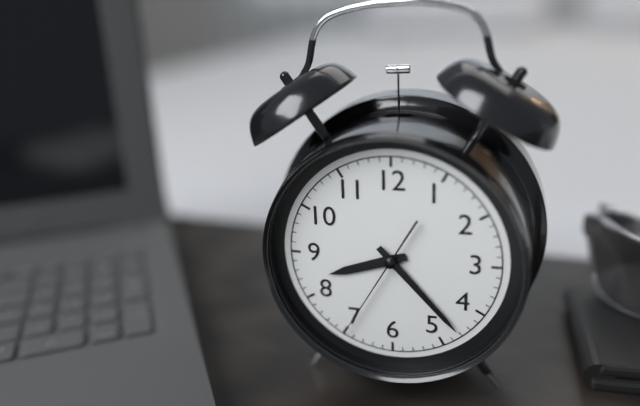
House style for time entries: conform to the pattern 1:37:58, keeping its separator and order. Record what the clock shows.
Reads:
8:23:35
